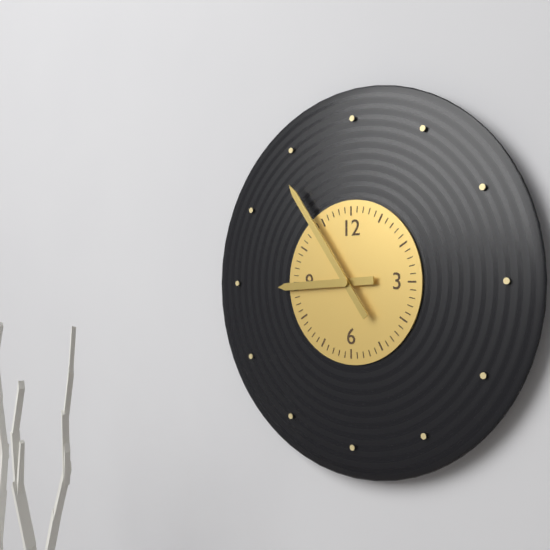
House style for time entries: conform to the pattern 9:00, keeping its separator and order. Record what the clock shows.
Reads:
8:54
